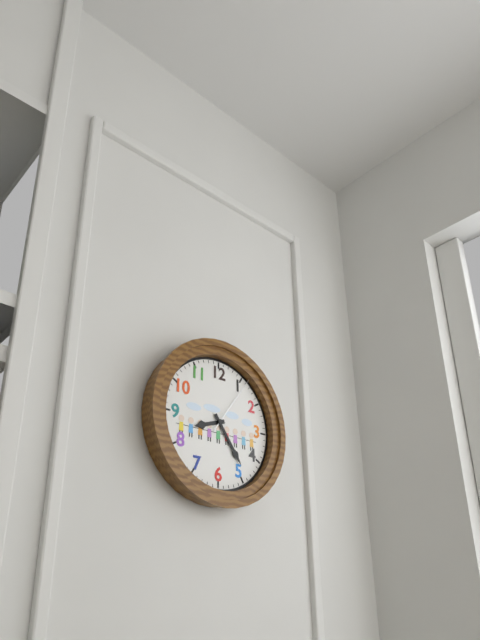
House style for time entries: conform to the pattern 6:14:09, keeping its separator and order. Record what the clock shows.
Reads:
8:24:06
